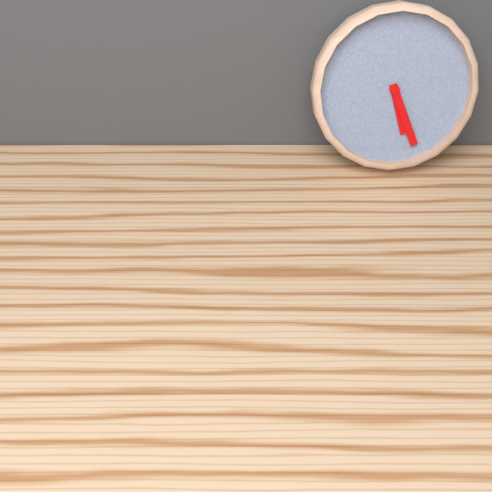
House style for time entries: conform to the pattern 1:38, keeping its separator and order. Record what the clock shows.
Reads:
5:26
